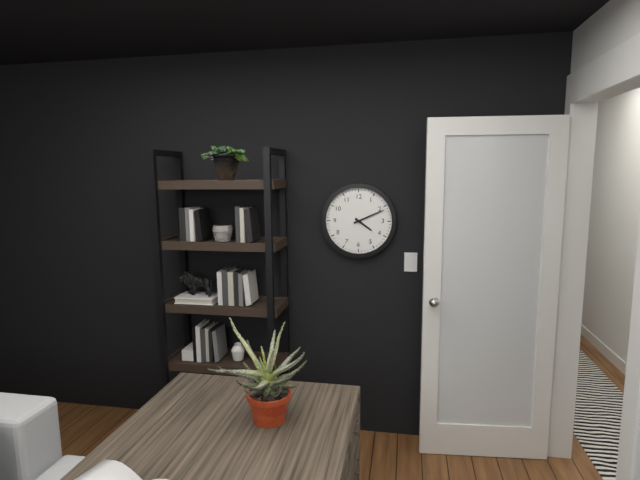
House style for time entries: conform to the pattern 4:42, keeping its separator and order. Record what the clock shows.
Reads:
4:11
